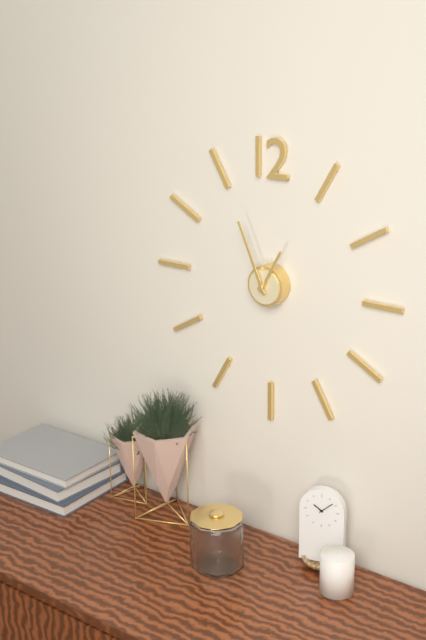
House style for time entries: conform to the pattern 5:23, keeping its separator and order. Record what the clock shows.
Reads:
12:56
